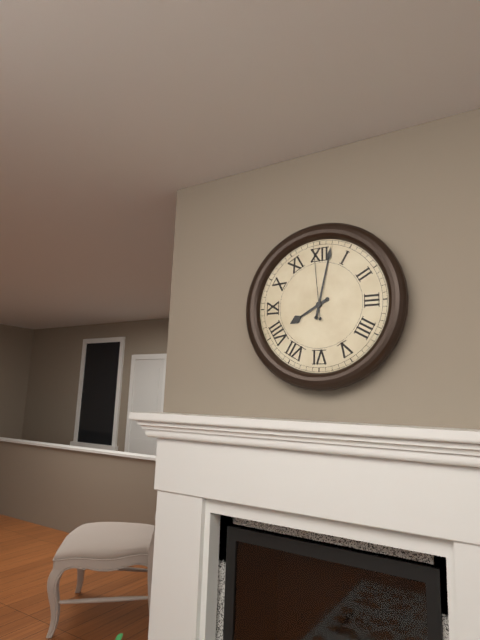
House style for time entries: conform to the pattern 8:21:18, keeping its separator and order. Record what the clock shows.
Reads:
8:02:59
